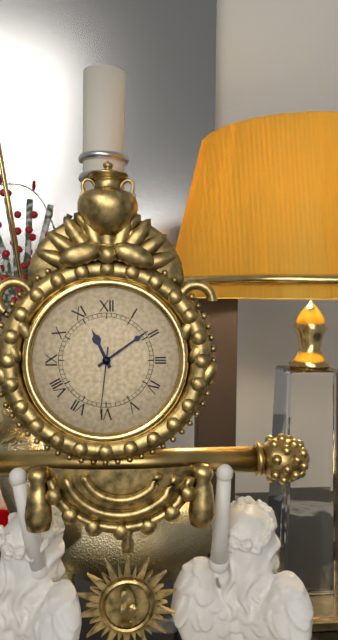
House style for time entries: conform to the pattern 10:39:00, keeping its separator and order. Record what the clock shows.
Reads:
11:09:31
